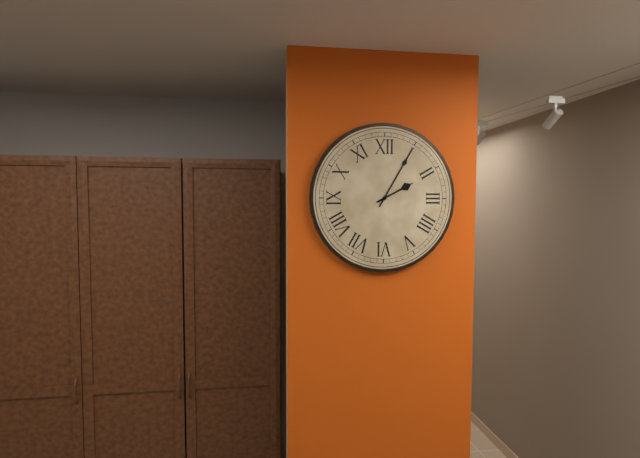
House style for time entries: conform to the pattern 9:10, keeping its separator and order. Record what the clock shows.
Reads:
2:05
